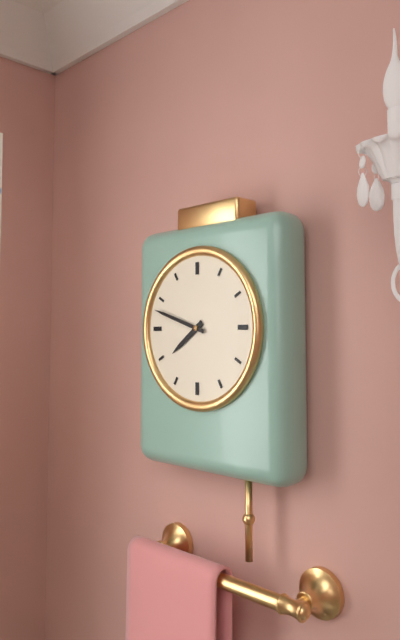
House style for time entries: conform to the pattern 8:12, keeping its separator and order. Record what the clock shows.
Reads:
7:48
